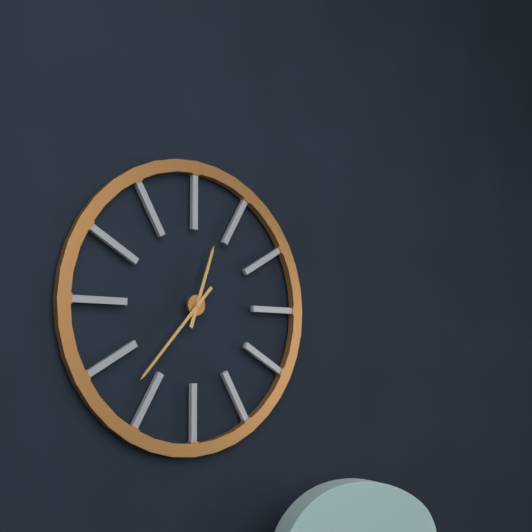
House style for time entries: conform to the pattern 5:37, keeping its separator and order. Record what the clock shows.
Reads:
12:37
